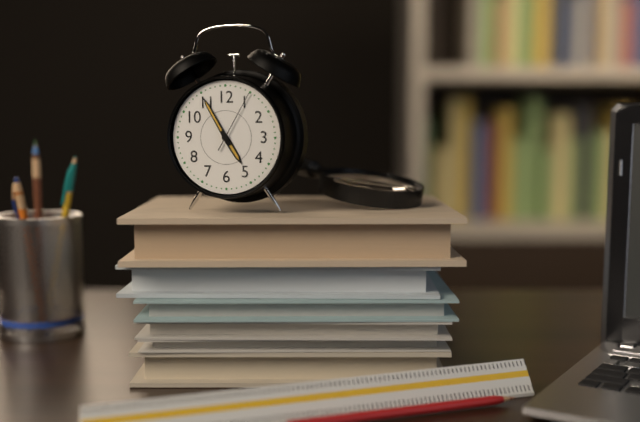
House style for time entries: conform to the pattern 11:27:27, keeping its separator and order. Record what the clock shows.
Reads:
4:55:05
